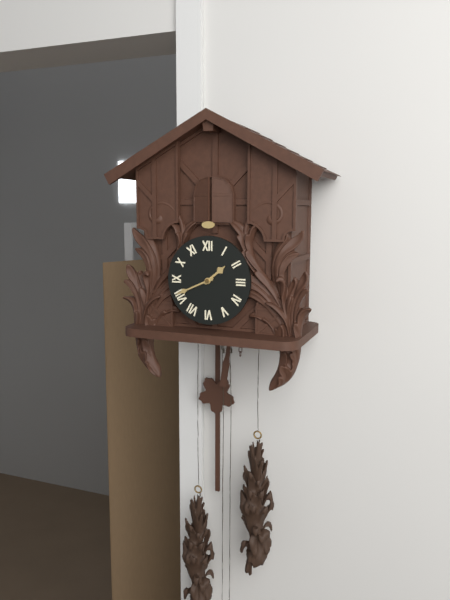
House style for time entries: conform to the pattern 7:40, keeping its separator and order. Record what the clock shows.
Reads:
1:41
